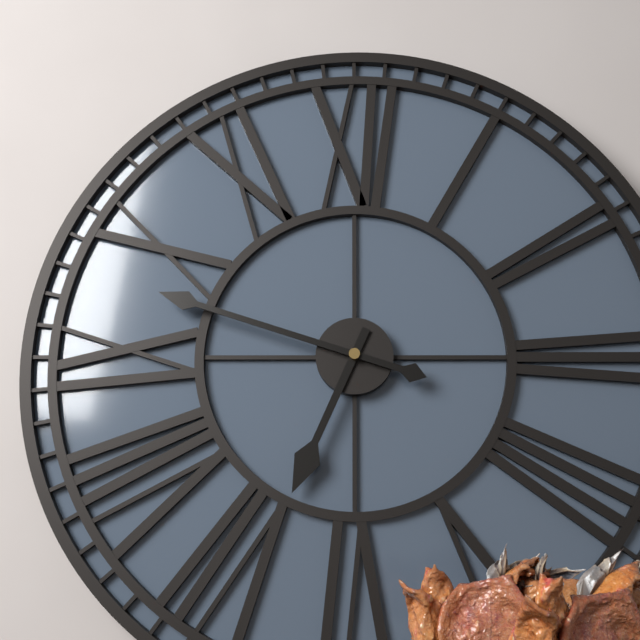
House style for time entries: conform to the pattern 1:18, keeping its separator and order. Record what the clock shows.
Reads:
6:48
